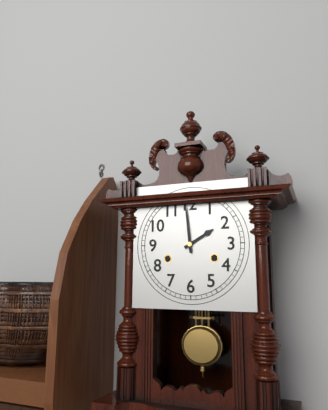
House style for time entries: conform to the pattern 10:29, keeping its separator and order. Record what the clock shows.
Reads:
1:59
